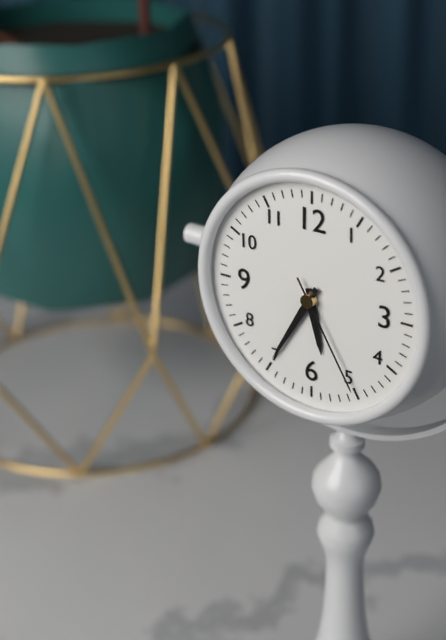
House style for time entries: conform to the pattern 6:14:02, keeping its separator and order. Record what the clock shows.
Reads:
5:35:25
